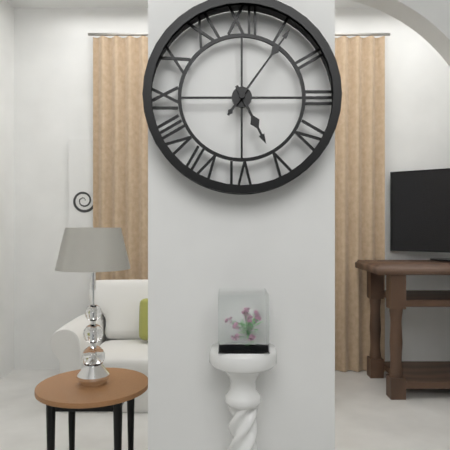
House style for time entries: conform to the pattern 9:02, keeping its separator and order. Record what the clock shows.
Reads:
5:06
